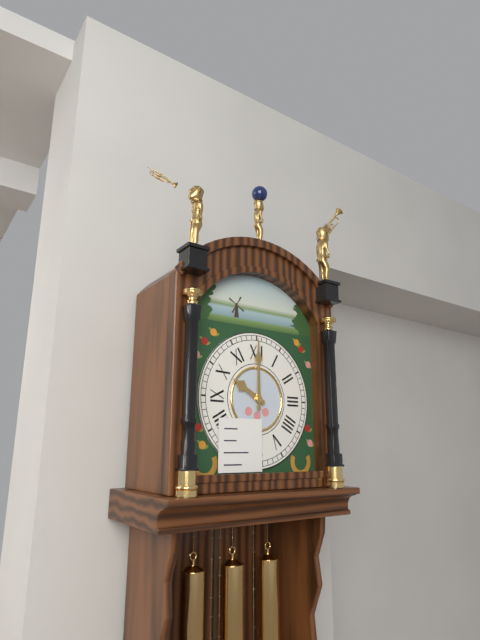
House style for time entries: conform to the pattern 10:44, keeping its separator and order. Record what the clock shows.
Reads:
10:00
